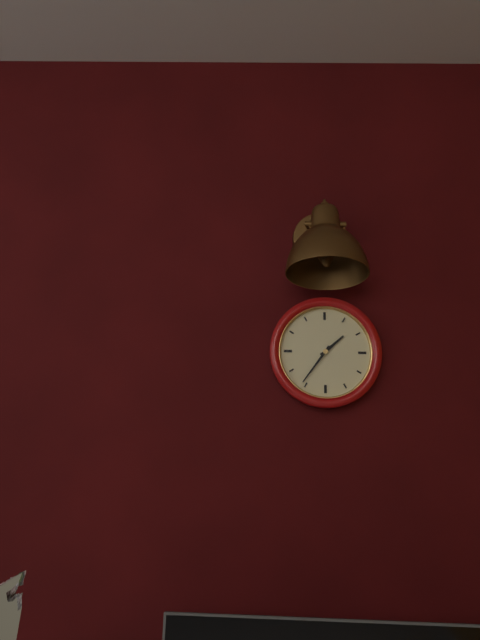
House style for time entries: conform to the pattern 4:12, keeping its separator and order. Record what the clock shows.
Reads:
1:36
